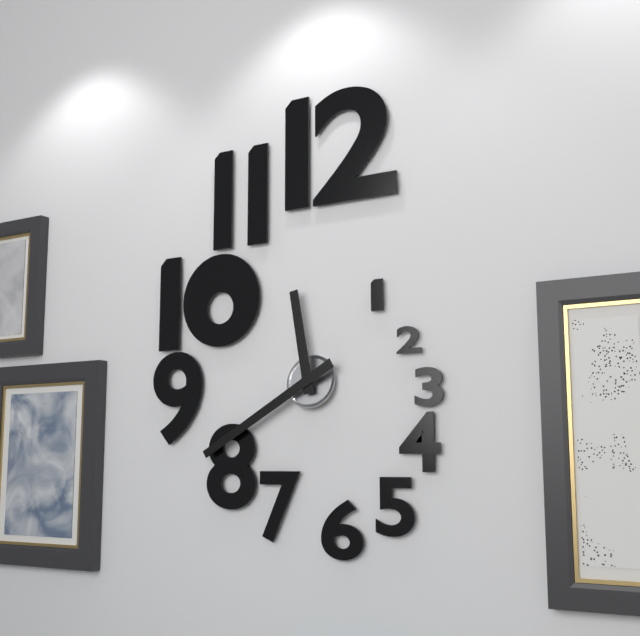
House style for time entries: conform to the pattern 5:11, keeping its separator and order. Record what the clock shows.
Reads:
11:40
